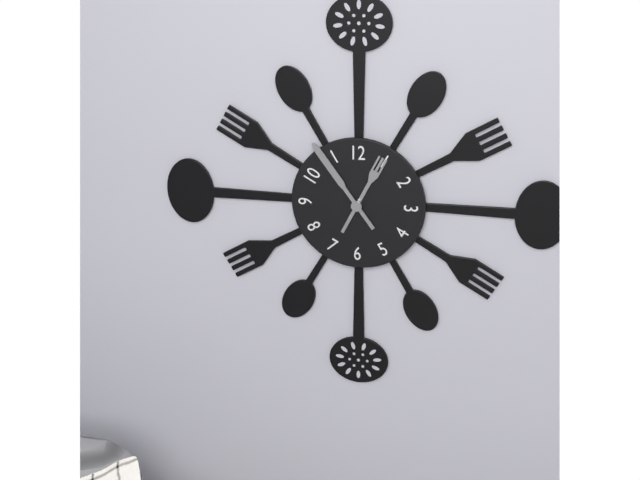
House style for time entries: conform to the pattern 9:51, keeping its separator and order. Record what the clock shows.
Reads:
12:54
